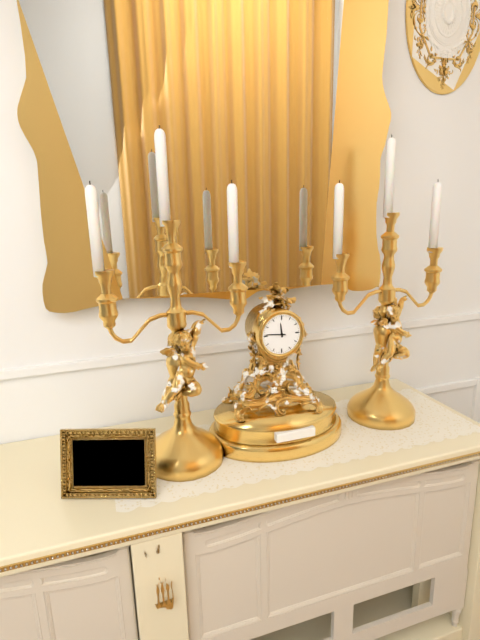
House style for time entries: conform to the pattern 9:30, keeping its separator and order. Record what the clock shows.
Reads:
11:46
